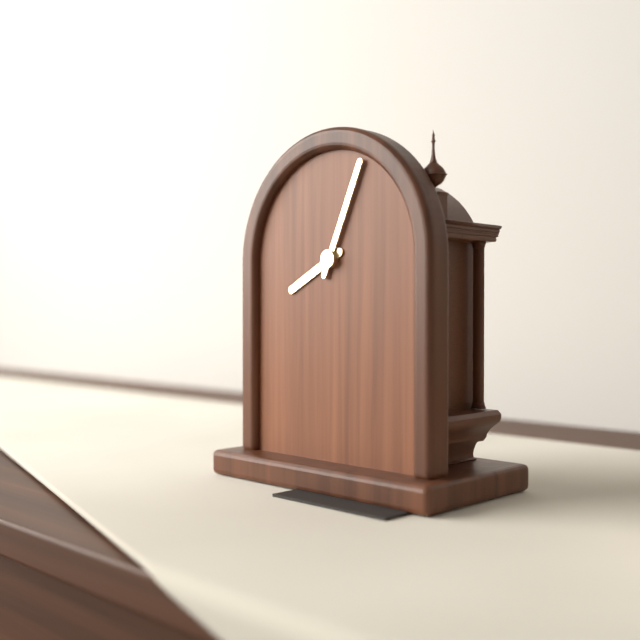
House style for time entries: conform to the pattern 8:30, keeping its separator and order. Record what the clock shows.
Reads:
8:04
